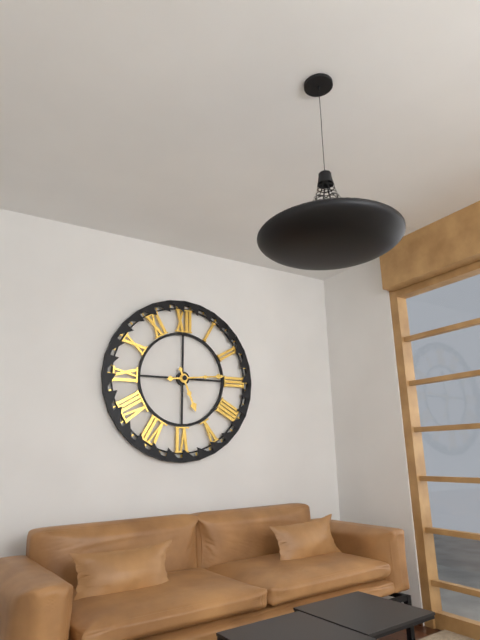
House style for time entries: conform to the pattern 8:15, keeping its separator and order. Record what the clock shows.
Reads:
5:14
